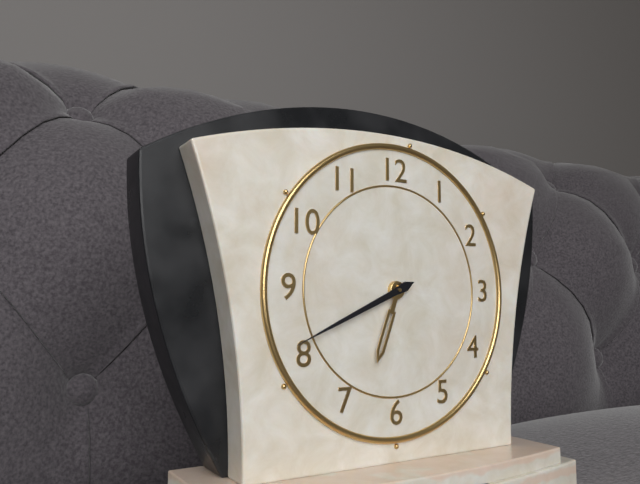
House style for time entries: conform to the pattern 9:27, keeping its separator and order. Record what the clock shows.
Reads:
6:41
